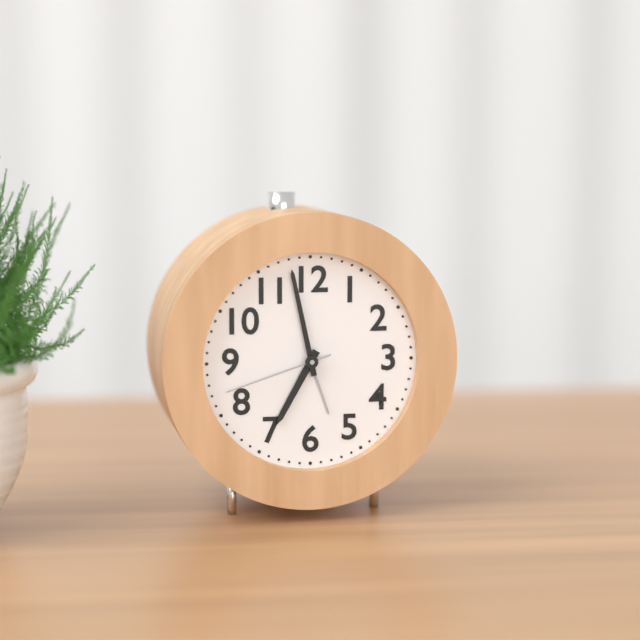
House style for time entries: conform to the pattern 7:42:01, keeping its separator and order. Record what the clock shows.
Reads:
6:58:42
